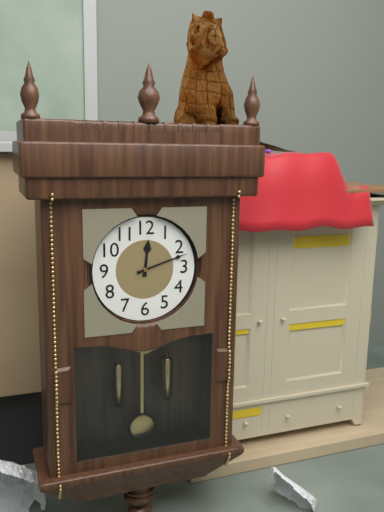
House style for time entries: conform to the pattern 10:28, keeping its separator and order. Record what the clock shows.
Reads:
12:12
